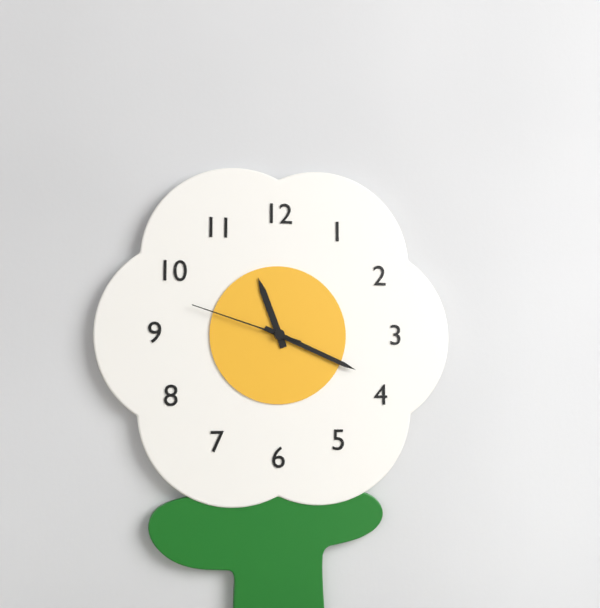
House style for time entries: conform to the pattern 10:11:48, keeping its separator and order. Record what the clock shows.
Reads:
11:19:48
